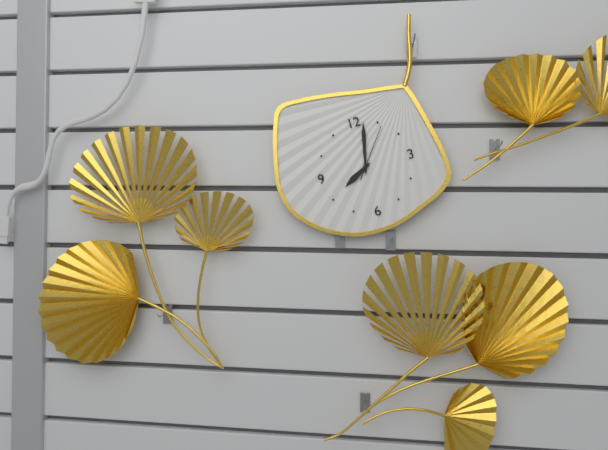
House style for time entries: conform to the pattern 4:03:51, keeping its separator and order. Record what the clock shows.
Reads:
8:02:06
